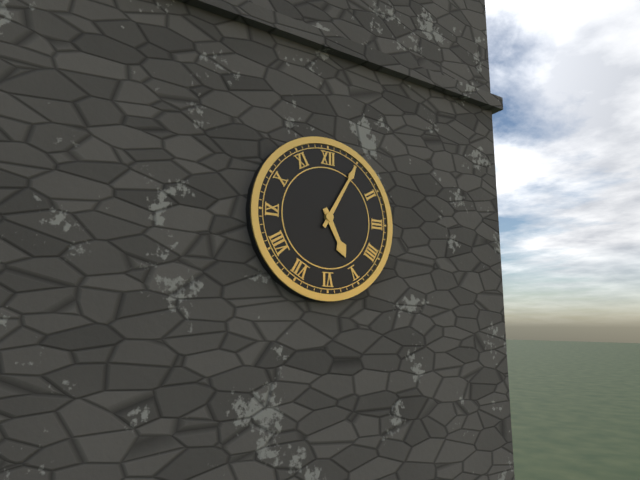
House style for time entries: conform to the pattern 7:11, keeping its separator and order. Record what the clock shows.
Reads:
5:05
